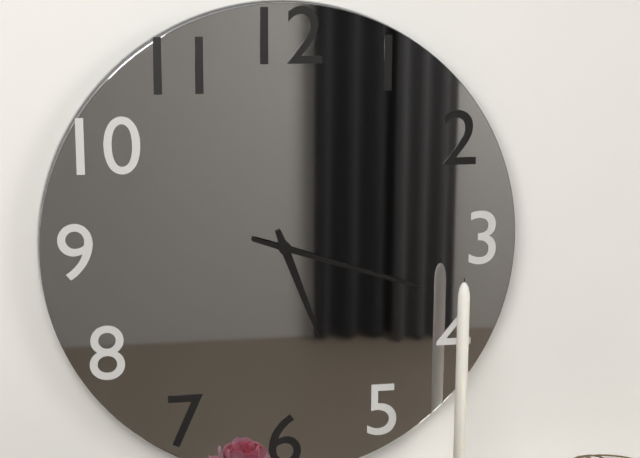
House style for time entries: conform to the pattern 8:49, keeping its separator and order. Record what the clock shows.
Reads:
5:18
